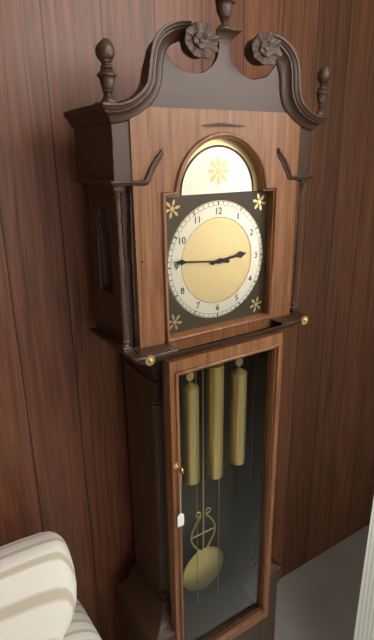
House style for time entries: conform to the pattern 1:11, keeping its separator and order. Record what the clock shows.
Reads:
2:46
